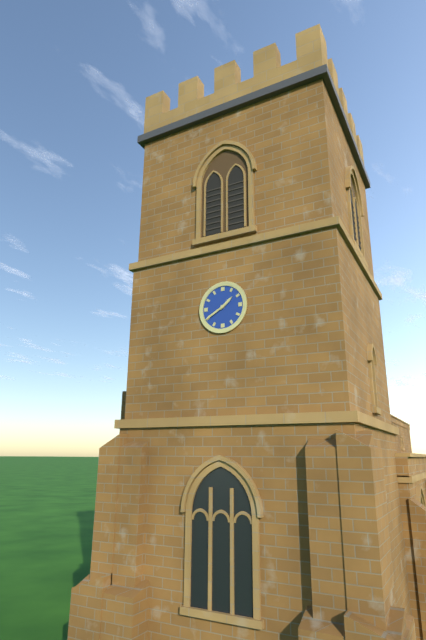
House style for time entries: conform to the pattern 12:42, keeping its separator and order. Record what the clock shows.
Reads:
1:40
